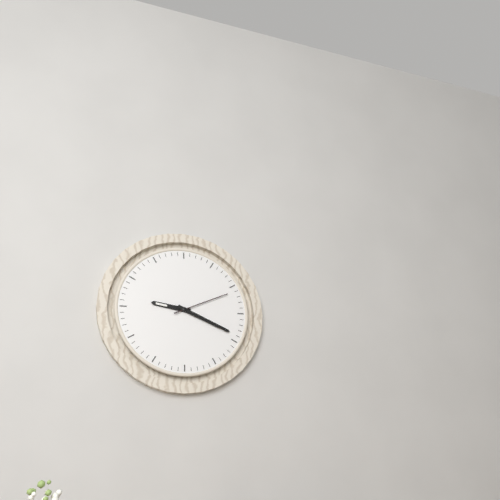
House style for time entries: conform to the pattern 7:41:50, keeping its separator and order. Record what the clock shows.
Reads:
9:19:11
